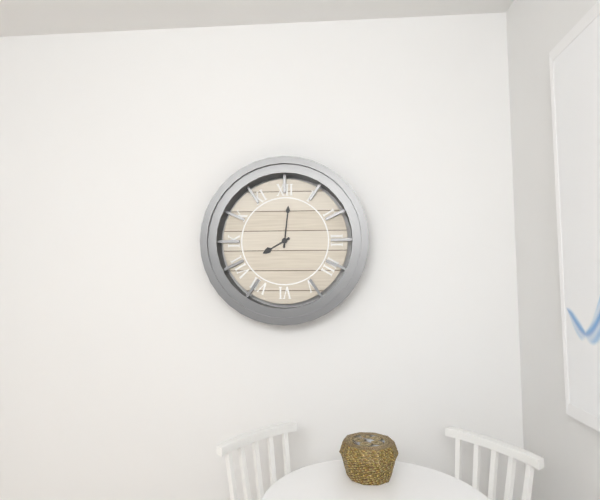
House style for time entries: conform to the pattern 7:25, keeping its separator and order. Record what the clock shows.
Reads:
8:01
